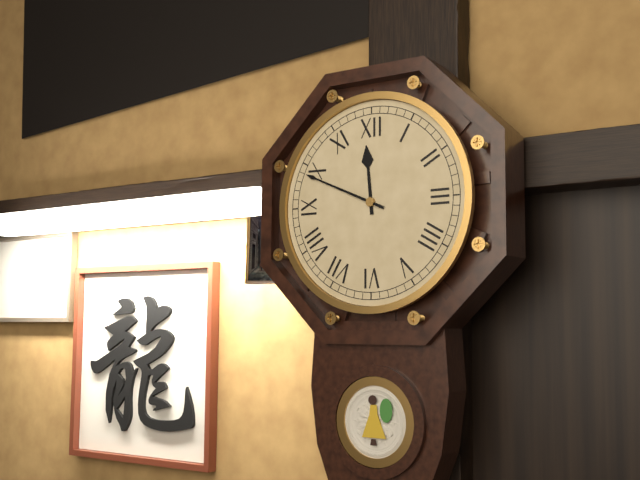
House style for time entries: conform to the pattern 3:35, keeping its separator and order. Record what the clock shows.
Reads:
11:49
